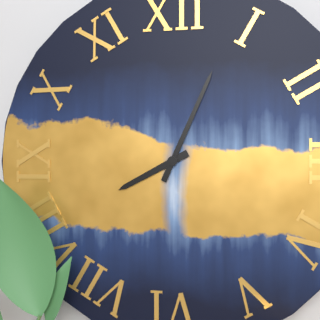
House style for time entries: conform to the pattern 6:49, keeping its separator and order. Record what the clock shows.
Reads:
8:04
